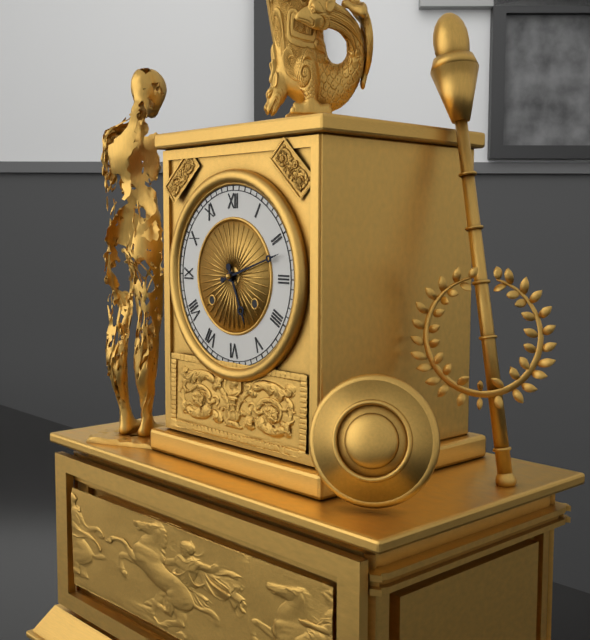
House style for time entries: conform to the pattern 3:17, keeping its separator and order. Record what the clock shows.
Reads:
5:12
